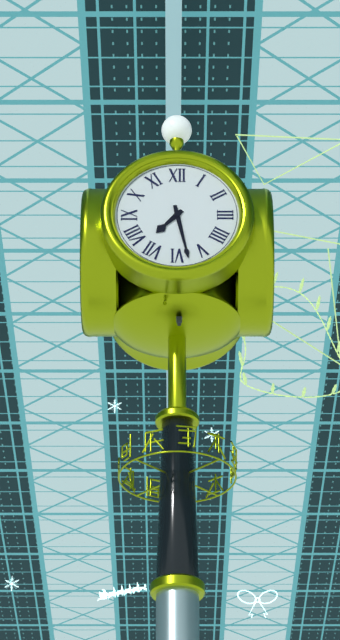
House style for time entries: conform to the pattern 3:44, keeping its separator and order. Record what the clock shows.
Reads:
7:28
